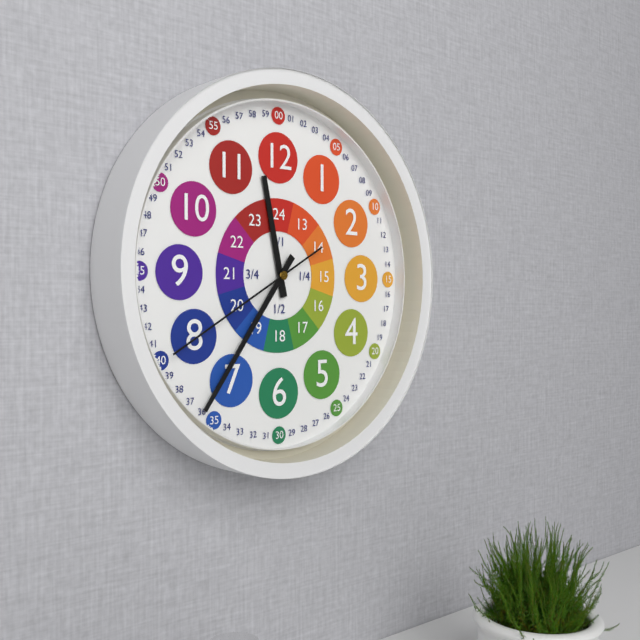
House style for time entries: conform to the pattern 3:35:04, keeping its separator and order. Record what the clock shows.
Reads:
11:36:40
